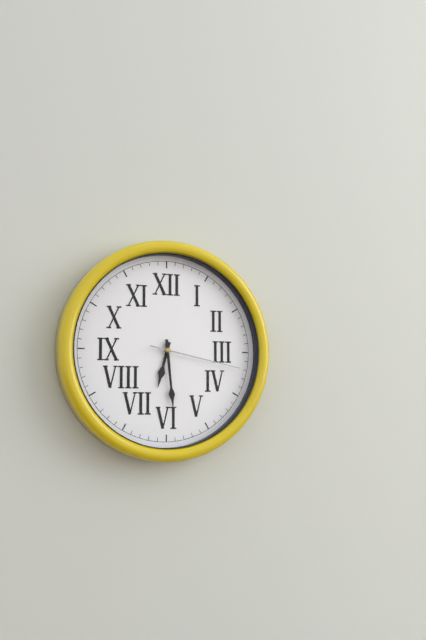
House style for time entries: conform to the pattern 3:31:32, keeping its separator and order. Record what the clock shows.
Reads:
6:29:17
